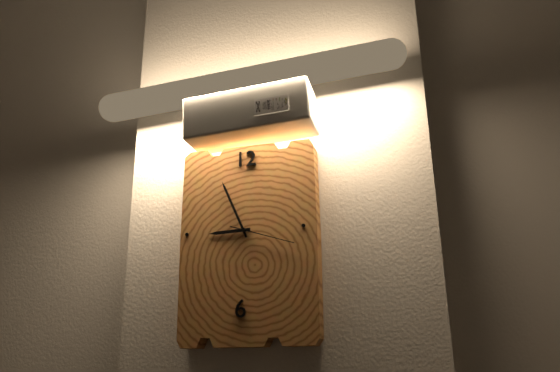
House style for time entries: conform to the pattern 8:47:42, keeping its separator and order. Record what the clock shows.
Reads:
8:56:18
